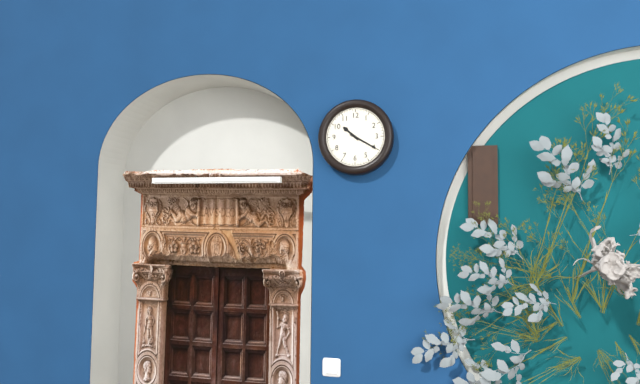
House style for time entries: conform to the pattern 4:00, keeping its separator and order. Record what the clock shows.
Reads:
10:20
